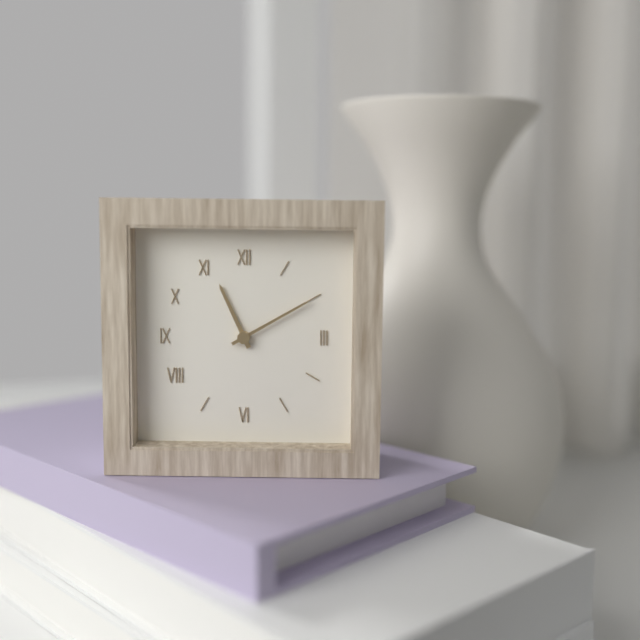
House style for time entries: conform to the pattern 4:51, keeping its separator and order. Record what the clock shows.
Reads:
11:10
